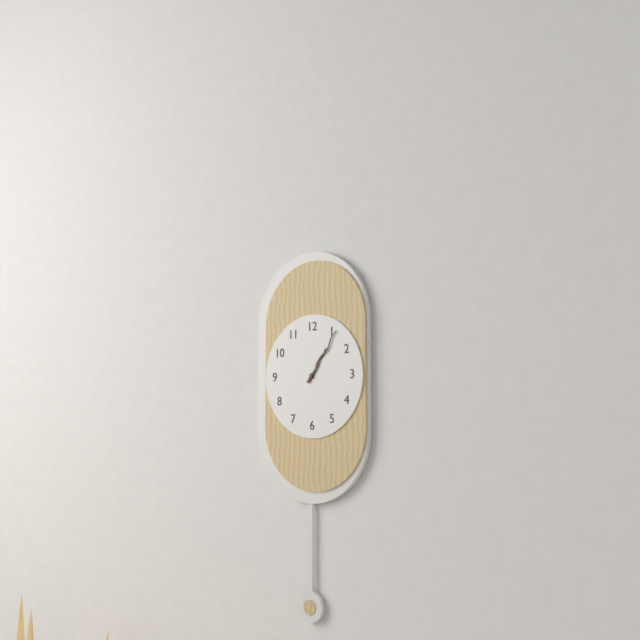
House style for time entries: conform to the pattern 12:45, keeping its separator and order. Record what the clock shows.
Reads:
1:06
